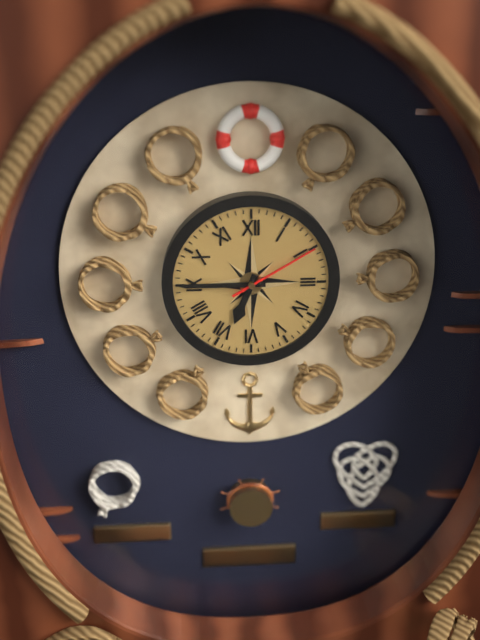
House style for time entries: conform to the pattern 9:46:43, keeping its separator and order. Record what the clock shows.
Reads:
6:45:10
